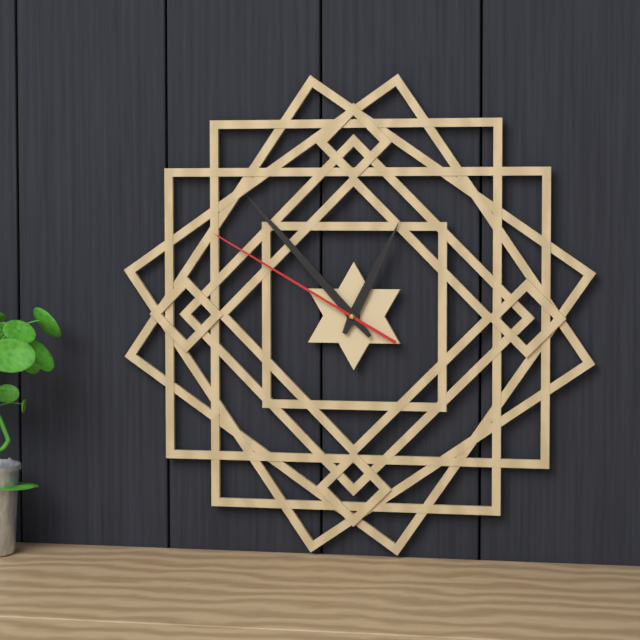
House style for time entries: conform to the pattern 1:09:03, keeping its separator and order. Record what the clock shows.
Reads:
12:53:50
